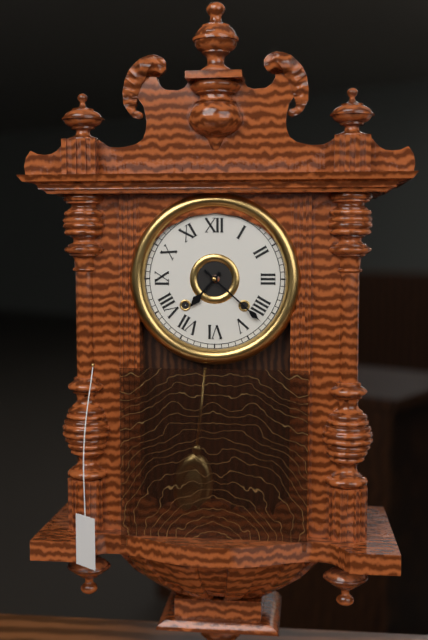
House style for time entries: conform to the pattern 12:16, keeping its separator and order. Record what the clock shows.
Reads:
7:22
